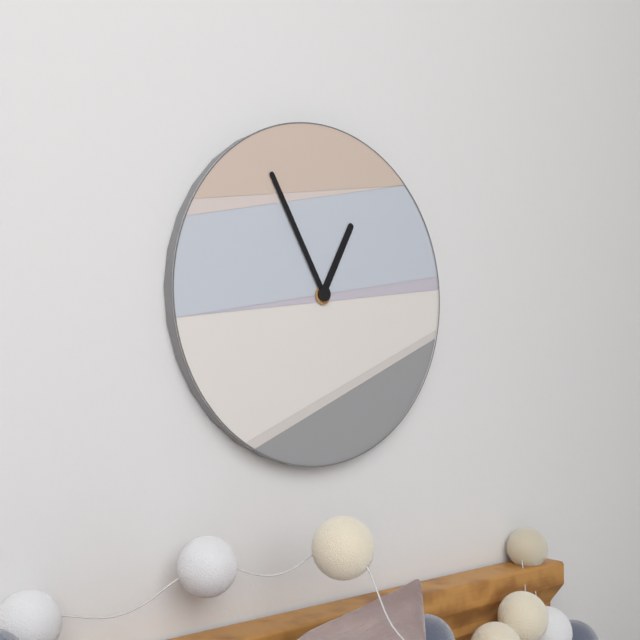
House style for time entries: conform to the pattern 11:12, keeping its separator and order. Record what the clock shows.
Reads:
12:55
